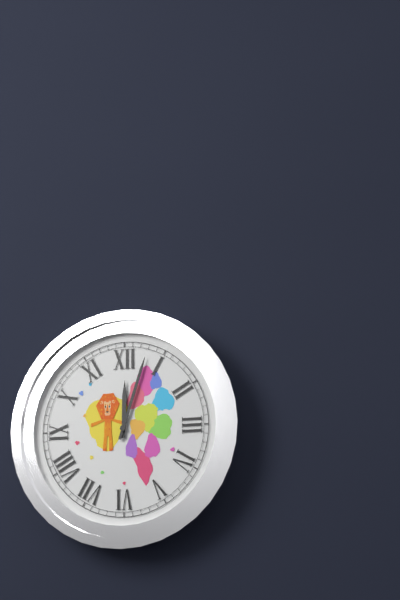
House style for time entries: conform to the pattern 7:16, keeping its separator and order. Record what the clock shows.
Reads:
12:03
